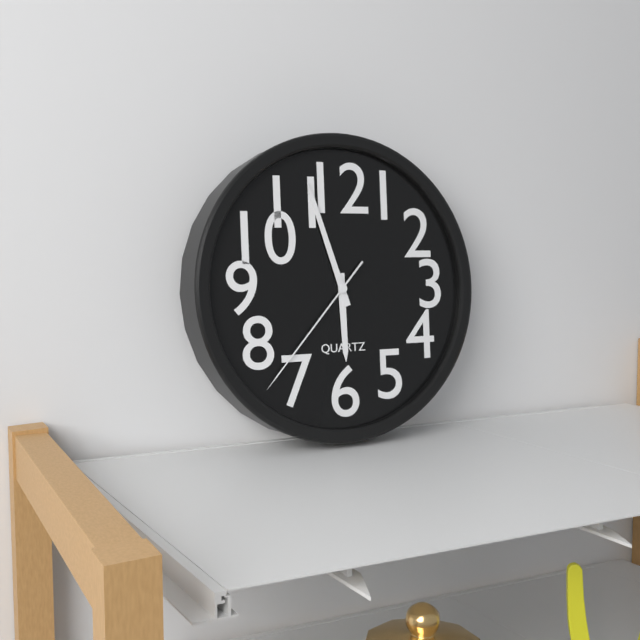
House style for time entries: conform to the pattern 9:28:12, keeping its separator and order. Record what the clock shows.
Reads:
5:57:37
